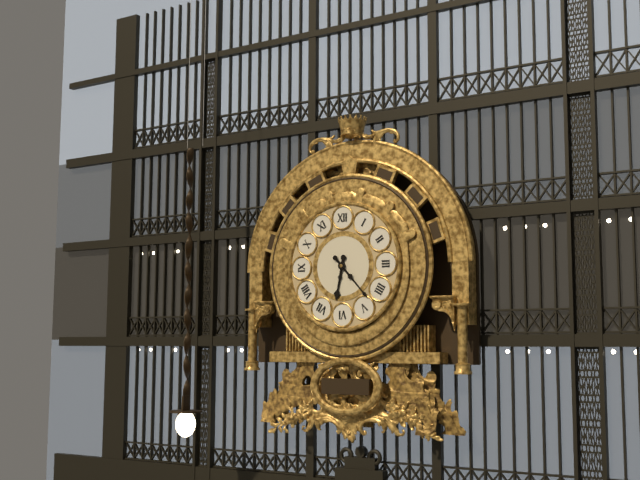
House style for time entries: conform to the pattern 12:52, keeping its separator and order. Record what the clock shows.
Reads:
6:23
